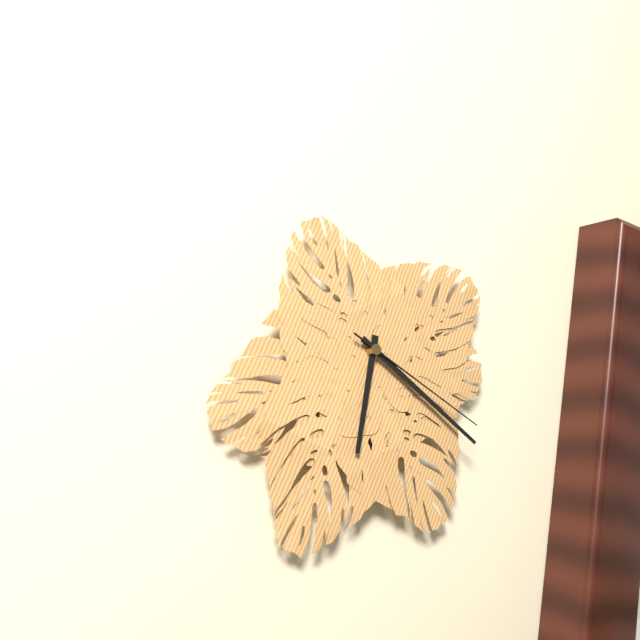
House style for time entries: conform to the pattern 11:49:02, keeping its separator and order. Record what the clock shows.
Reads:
6:21:20
